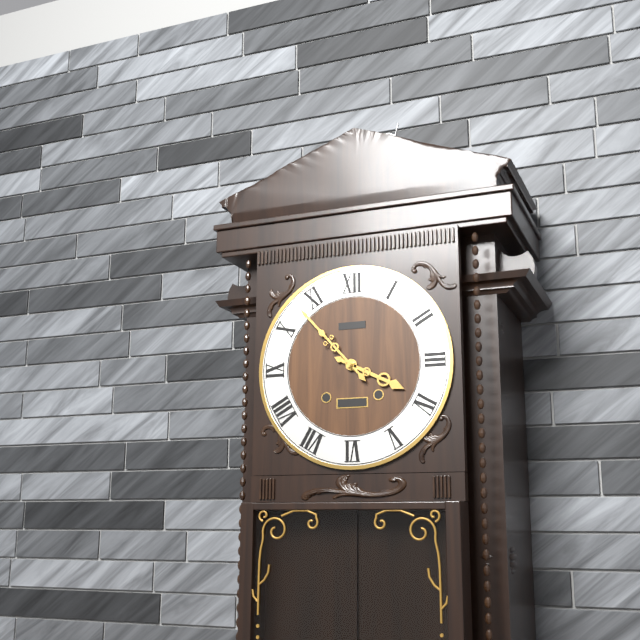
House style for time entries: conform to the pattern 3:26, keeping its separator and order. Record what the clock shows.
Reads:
3:53
